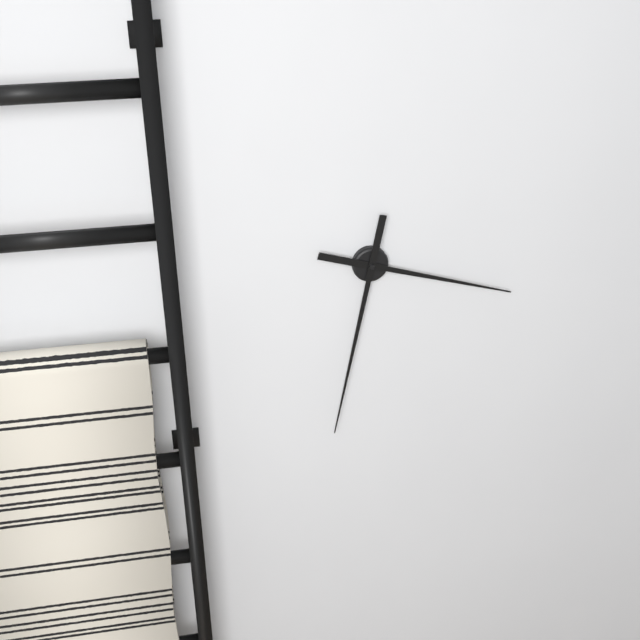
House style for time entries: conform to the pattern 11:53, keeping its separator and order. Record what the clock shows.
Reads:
3:32
